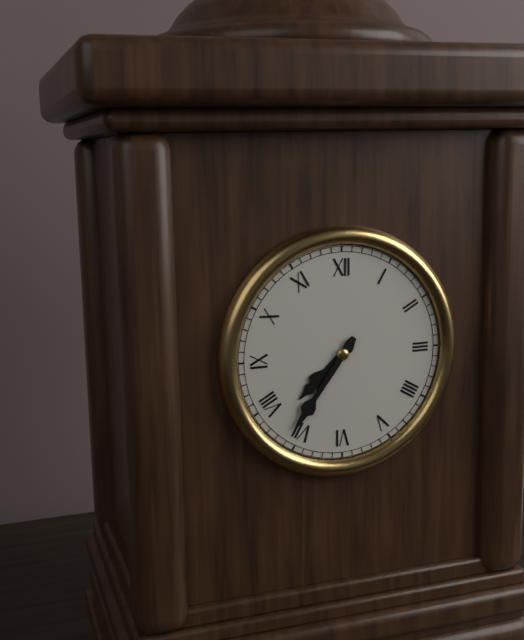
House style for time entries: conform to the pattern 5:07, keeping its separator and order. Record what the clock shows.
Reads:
7:36
